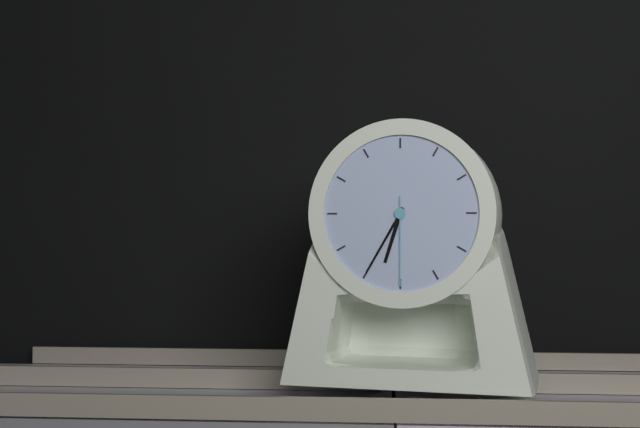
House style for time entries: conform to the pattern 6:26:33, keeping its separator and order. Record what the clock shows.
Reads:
6:35:30
